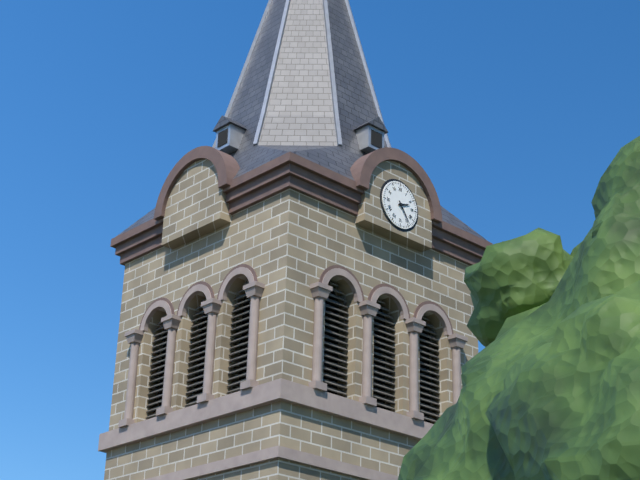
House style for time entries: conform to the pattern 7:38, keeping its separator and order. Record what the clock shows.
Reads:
2:24
